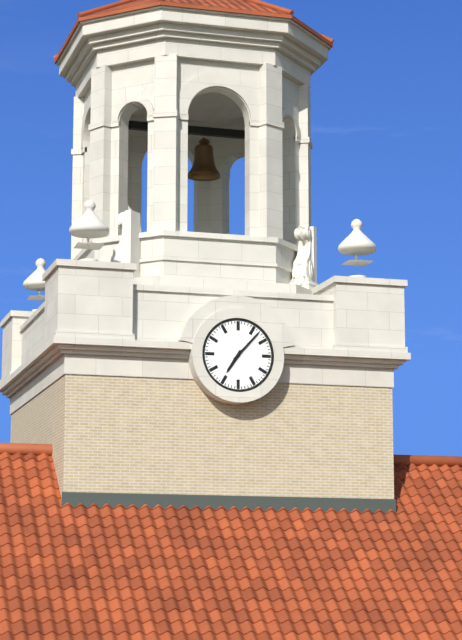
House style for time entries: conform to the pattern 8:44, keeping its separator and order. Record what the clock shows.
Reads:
7:07
